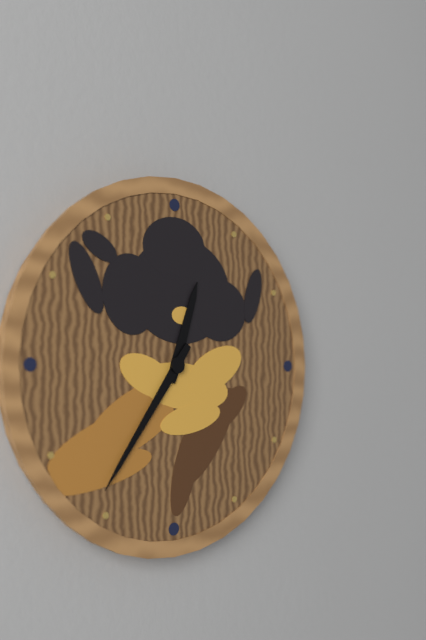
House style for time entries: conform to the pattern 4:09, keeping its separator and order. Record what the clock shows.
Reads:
12:36
